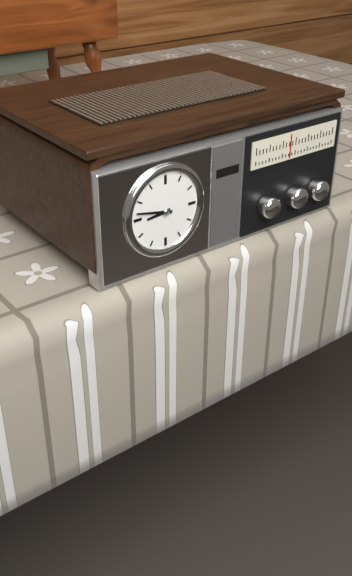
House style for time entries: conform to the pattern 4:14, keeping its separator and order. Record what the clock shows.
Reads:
8:47
